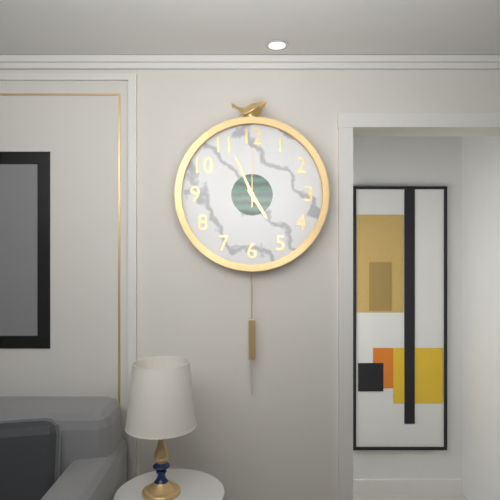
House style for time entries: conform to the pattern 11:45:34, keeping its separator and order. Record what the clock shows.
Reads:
4:56:00
